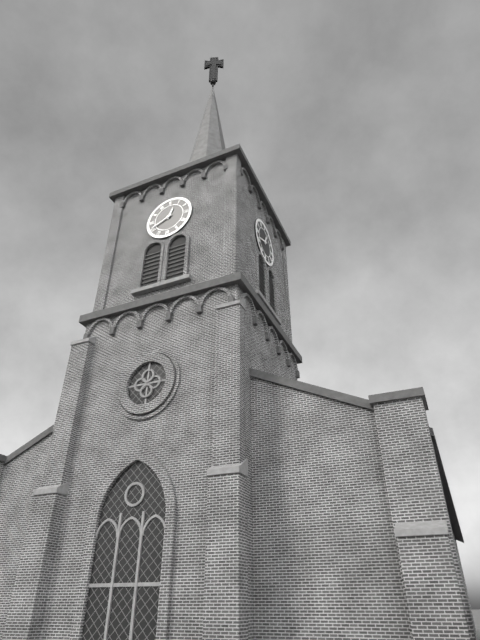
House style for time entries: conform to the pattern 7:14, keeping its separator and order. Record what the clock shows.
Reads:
12:41
